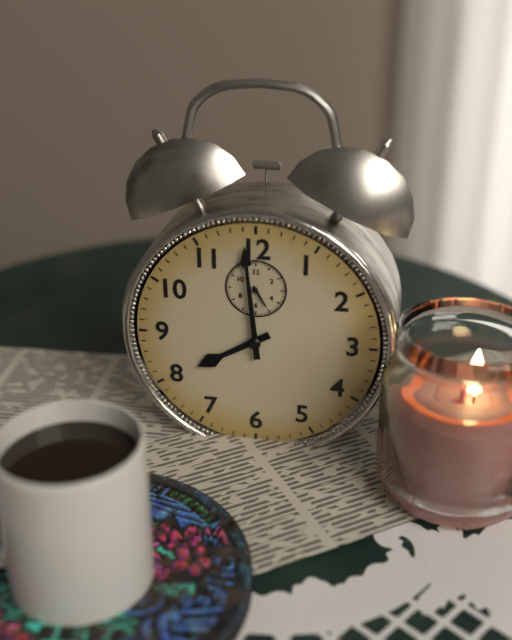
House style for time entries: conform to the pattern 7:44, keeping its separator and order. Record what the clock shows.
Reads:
7:59
